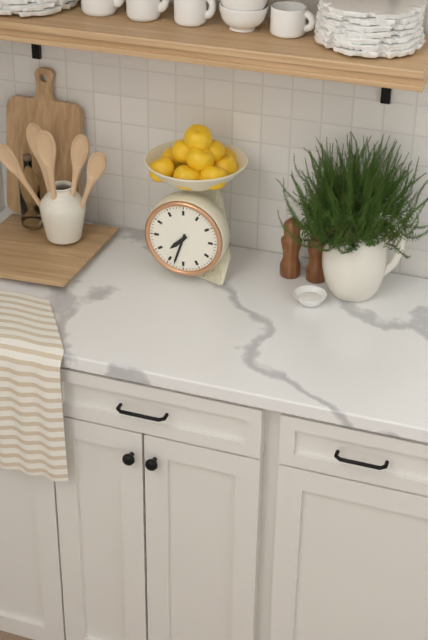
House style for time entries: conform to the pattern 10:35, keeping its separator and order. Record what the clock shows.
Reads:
7:33
